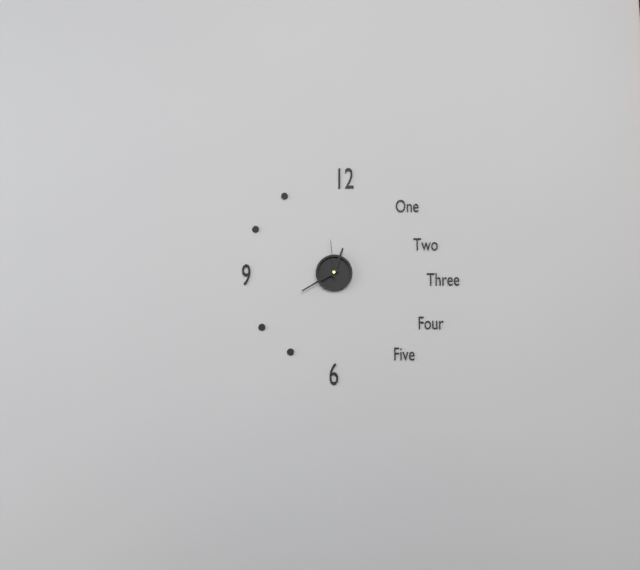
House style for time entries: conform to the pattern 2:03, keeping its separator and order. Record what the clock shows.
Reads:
12:40
